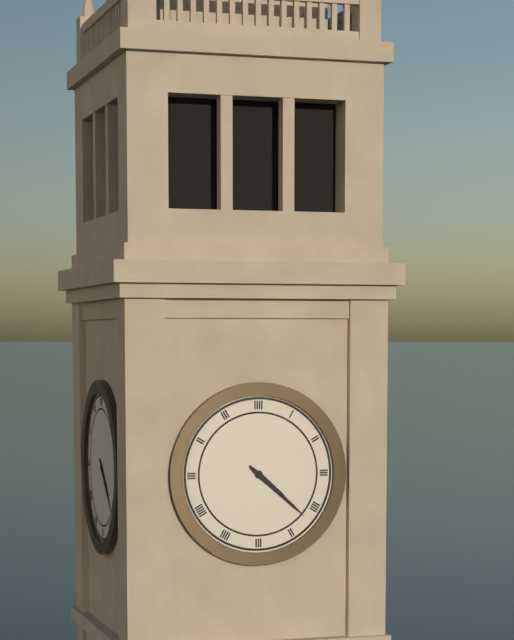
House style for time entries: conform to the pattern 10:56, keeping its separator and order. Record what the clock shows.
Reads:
4:22
